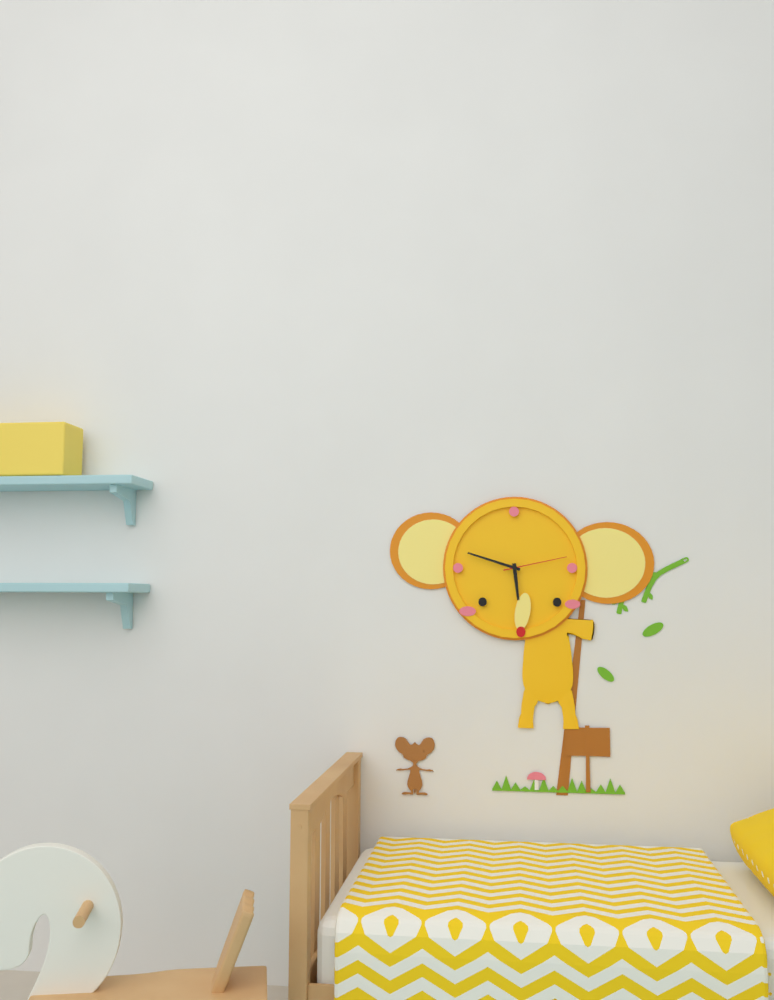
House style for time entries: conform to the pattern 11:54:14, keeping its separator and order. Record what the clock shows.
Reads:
5:48:13
